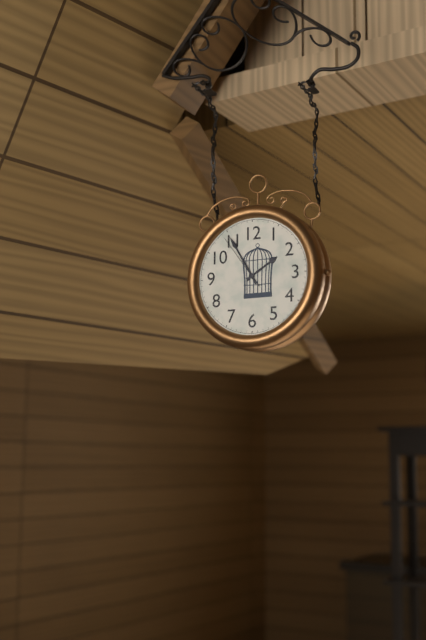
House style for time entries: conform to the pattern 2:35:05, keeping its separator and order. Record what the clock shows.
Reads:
1:55:54
